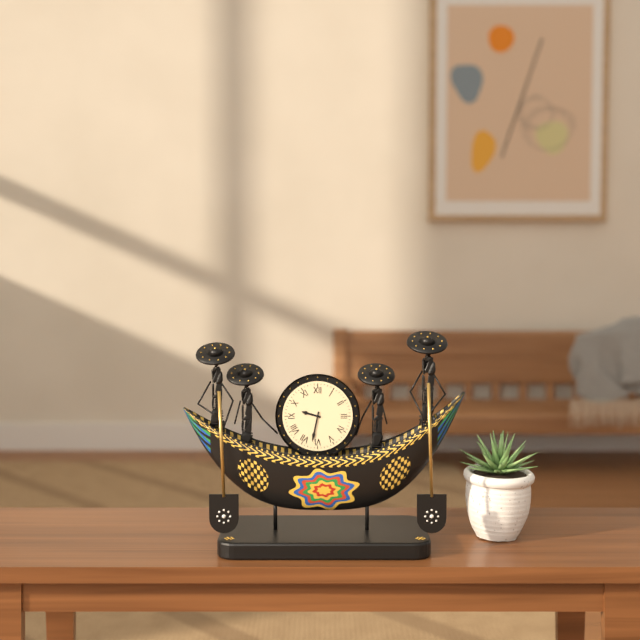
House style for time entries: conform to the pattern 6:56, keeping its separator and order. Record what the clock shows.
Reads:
9:32
